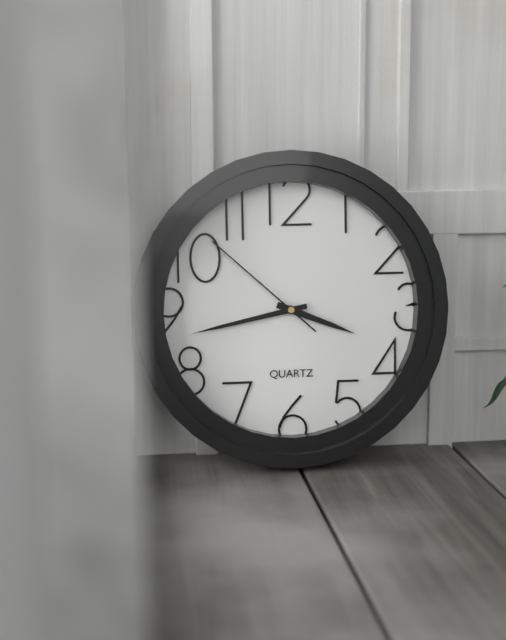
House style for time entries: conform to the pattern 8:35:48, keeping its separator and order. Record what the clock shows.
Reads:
3:43:52
